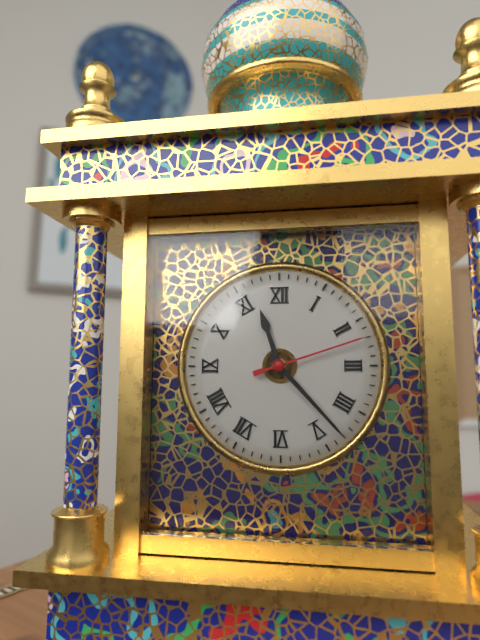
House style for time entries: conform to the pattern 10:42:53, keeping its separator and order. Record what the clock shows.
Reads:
11:23:12
